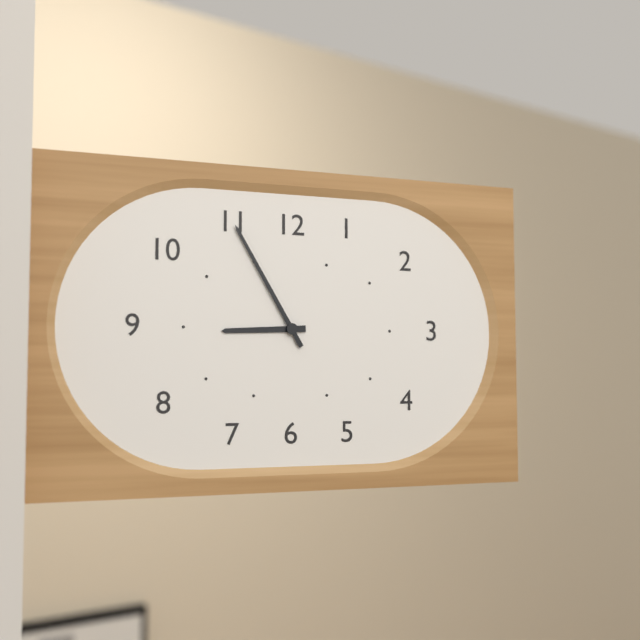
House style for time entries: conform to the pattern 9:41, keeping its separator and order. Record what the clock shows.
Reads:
8:55
